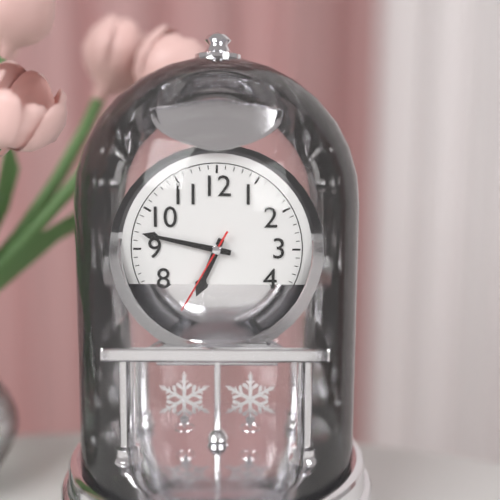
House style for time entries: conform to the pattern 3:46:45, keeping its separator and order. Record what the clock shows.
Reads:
6:47:35
